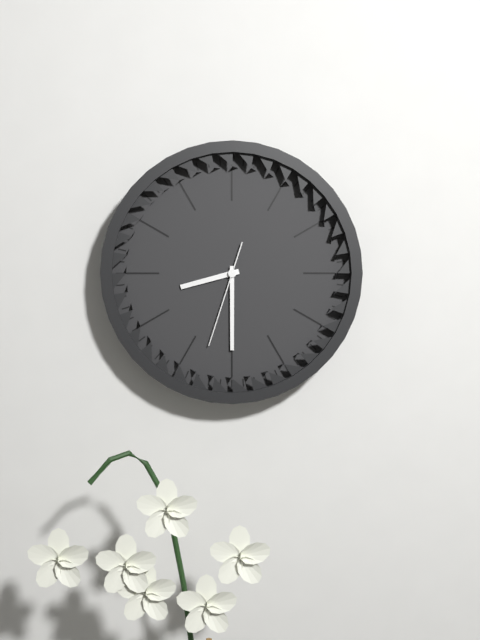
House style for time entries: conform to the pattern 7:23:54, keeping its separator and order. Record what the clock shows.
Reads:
8:30:33
